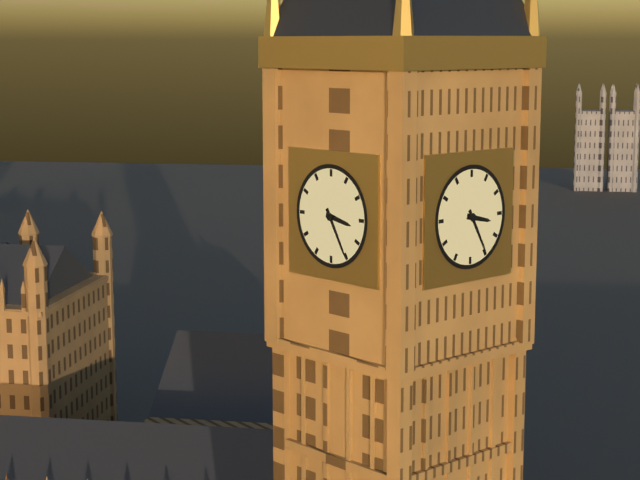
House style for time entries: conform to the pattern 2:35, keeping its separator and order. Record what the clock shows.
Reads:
3:25
